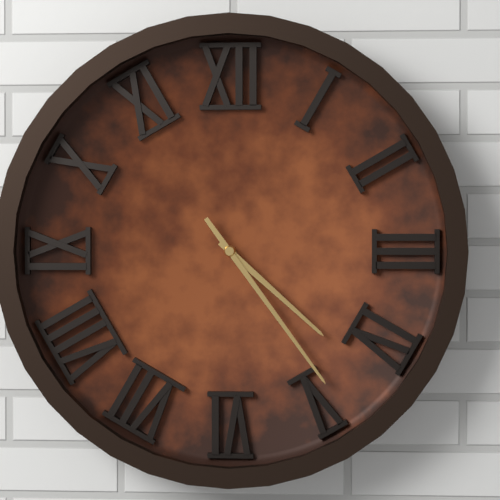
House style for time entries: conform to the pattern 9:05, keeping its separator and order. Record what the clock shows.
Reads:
4:24
